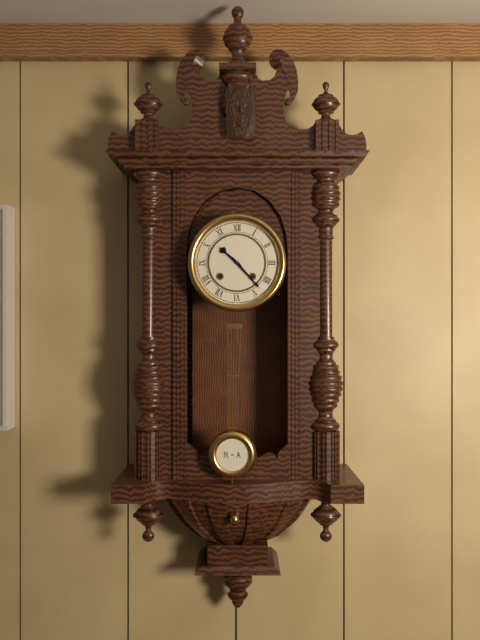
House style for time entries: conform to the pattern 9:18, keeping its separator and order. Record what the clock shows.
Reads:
10:23
